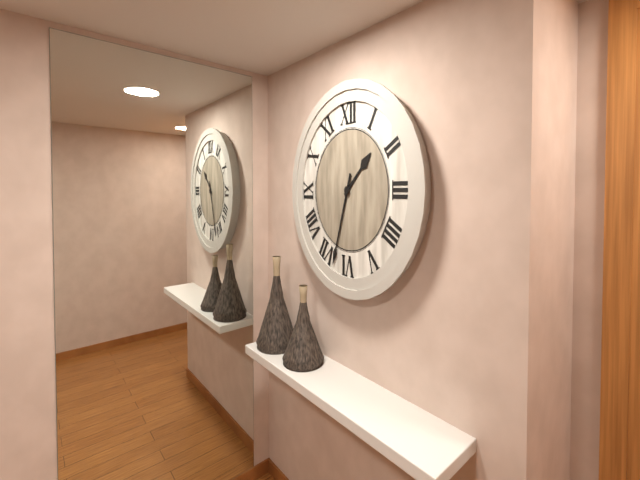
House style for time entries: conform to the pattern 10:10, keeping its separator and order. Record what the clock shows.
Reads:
1:33
